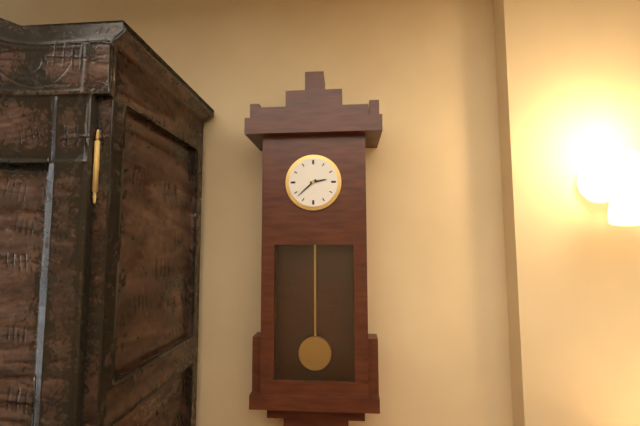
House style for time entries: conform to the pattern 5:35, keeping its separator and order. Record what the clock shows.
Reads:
2:38
